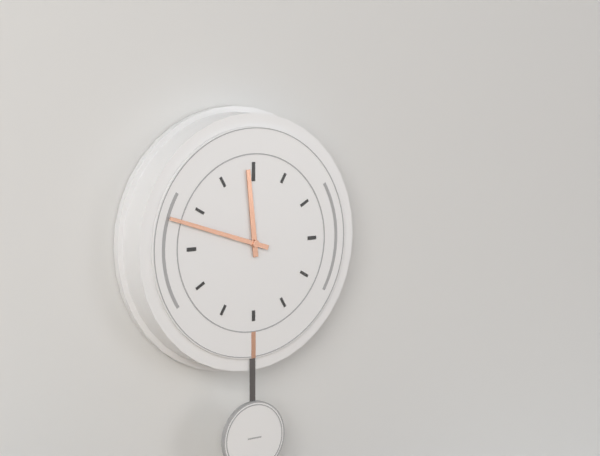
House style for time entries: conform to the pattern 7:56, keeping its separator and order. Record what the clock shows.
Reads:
11:48
